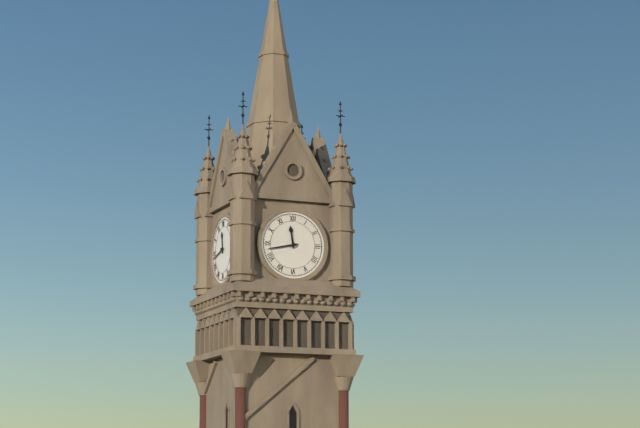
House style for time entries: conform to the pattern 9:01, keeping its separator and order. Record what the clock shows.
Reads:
11:43
